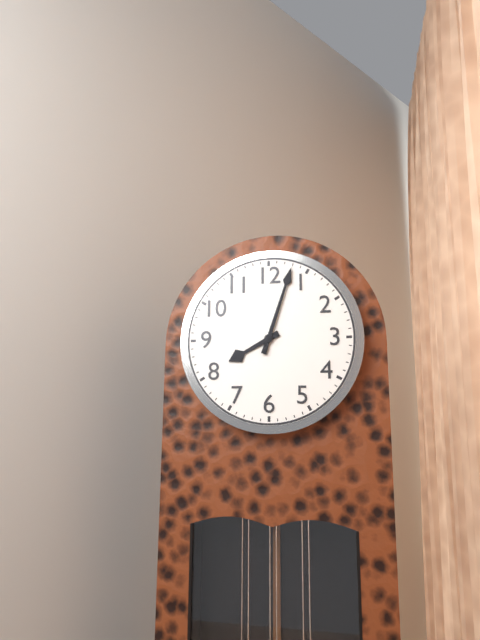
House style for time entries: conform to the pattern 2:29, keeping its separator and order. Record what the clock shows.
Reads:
8:03
